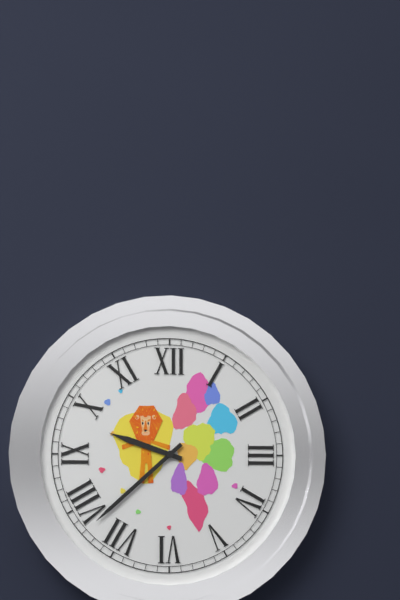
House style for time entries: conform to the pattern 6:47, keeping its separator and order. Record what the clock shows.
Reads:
9:38
